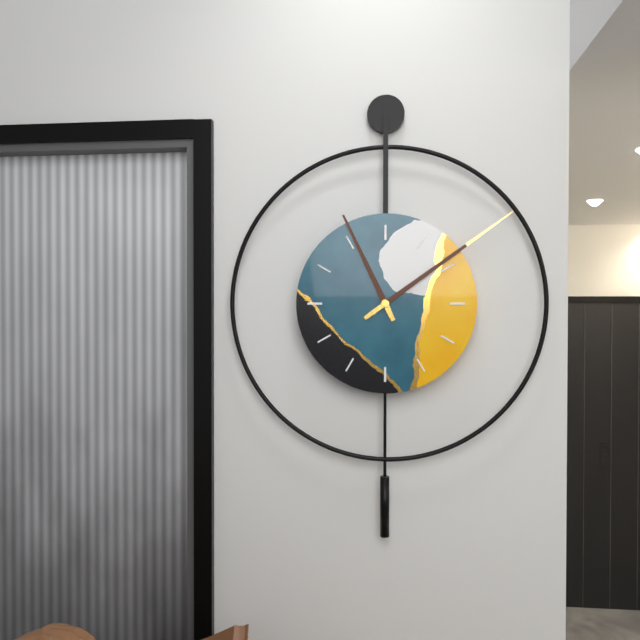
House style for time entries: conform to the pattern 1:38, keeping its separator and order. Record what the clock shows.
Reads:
11:09
